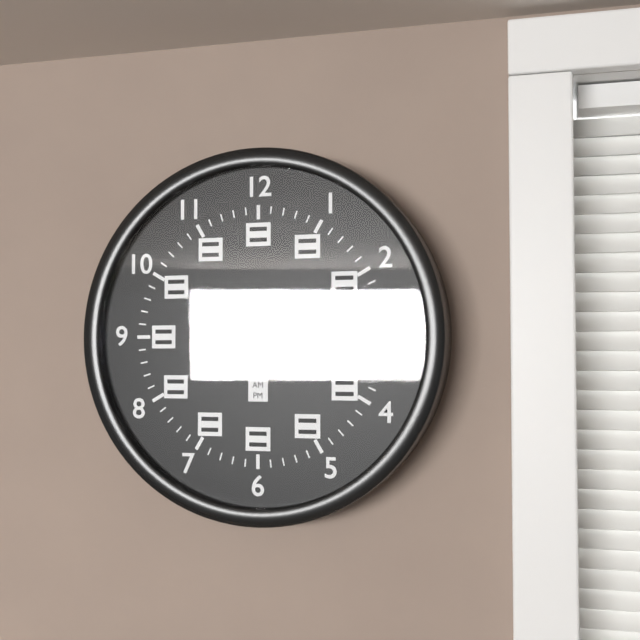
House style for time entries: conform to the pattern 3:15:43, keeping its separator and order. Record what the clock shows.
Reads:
2:15:16
